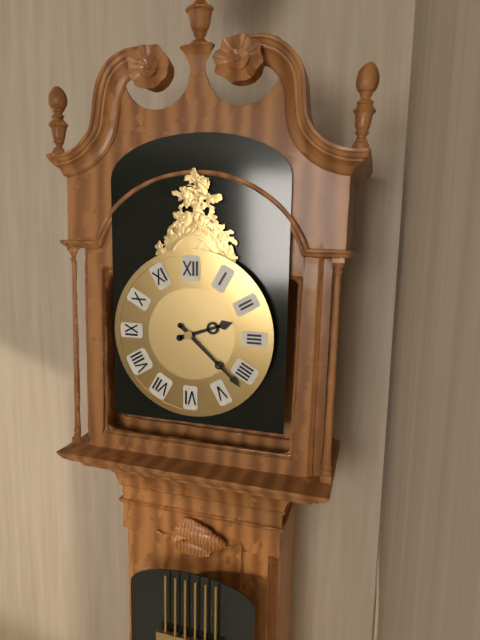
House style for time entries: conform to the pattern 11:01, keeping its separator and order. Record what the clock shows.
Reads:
2:22
